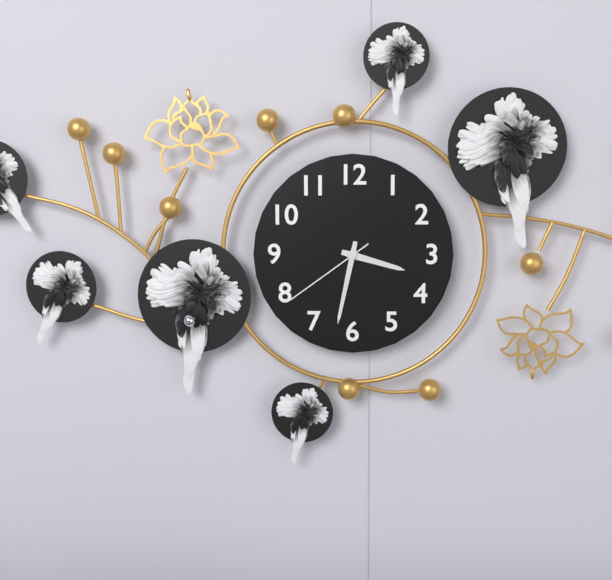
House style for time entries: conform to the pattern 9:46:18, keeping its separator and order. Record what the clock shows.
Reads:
3:32:39
